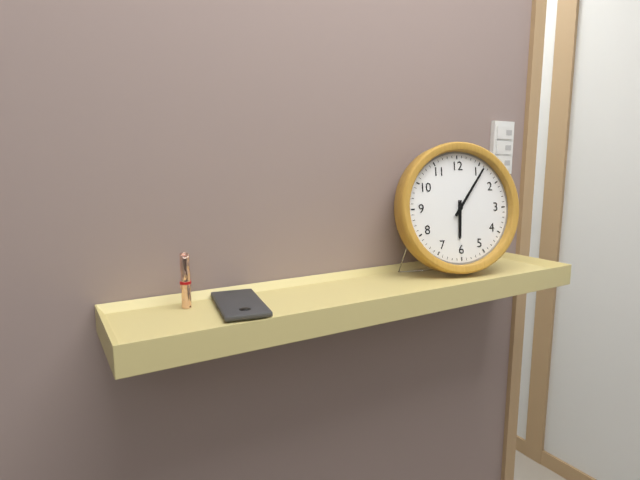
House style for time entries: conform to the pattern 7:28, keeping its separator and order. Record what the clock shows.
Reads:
6:06
